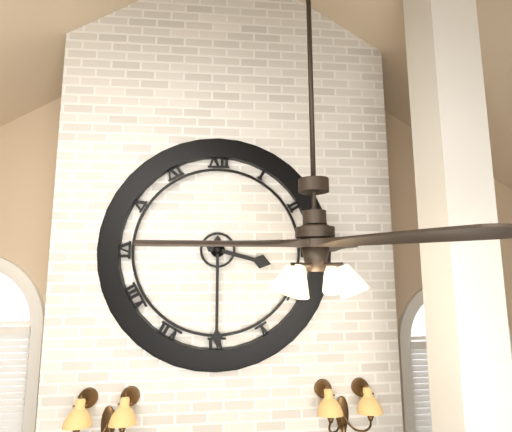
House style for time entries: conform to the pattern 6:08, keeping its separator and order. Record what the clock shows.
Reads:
3:30
